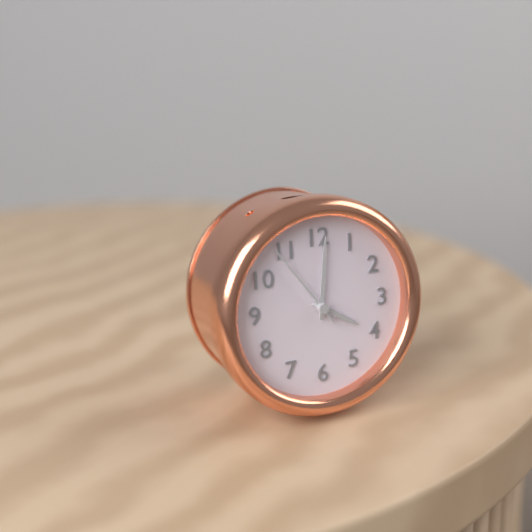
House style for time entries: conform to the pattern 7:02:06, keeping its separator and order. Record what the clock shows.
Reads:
4:01:54
